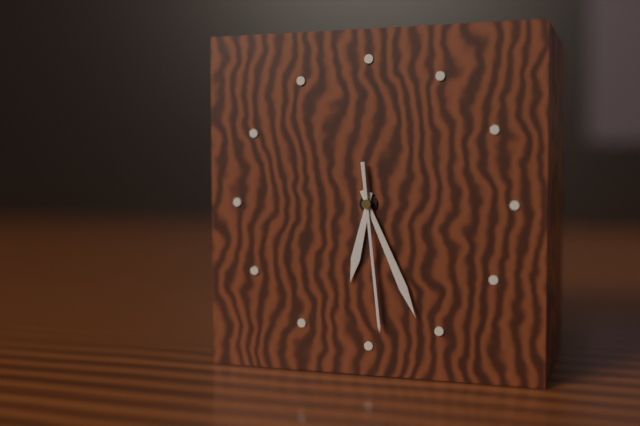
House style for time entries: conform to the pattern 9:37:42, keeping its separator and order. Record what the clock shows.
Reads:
6:26:29
